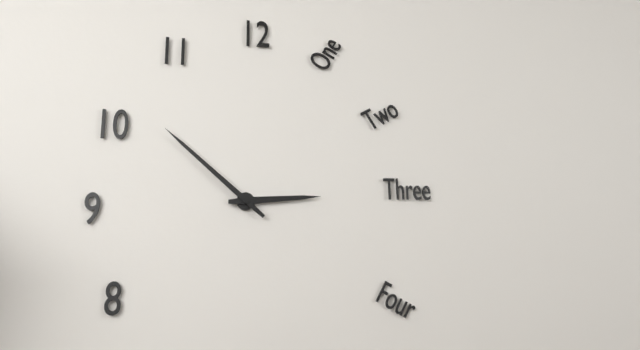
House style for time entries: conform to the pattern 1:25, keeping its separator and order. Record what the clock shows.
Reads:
2:52
